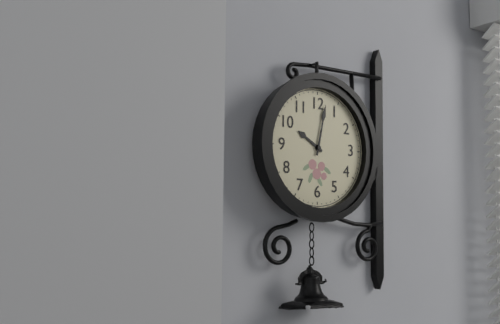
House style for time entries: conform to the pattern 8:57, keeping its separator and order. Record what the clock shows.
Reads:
10:02
